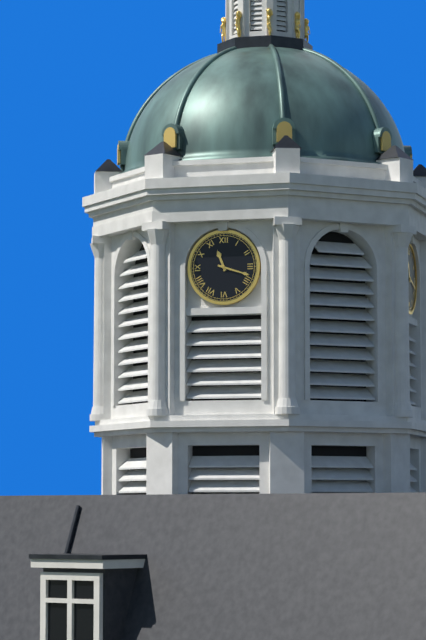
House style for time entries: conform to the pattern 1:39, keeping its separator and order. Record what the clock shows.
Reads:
11:18
